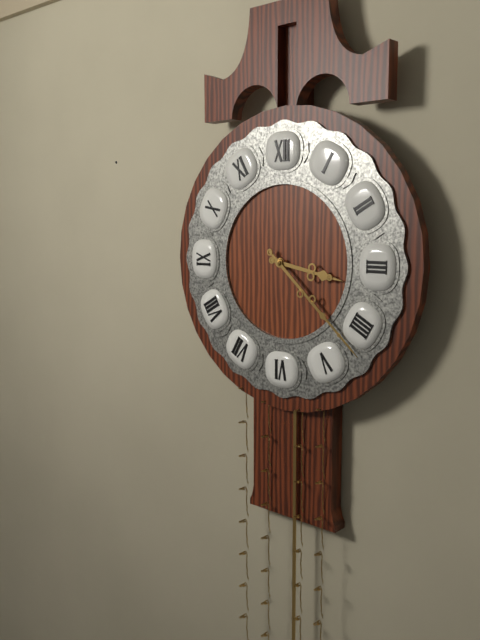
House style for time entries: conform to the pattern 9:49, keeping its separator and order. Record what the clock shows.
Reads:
3:22
